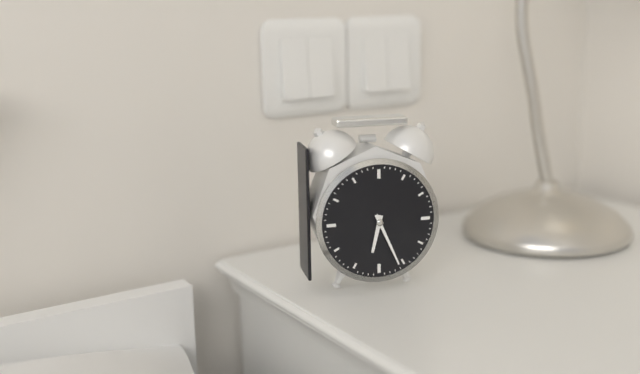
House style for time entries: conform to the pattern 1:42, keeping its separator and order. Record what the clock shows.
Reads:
6:26
